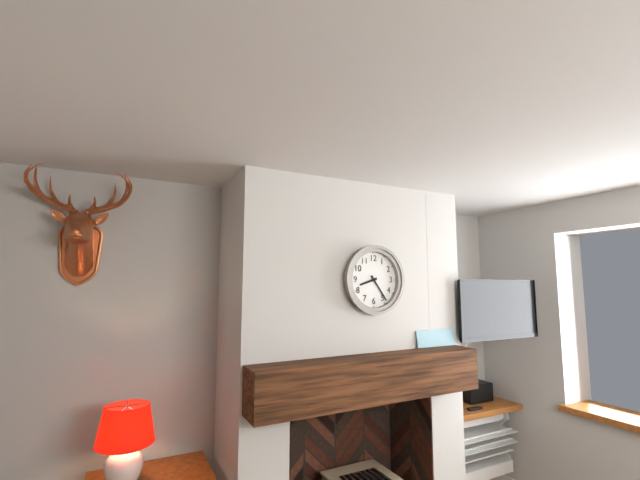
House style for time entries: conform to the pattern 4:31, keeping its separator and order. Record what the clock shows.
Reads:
8:24
